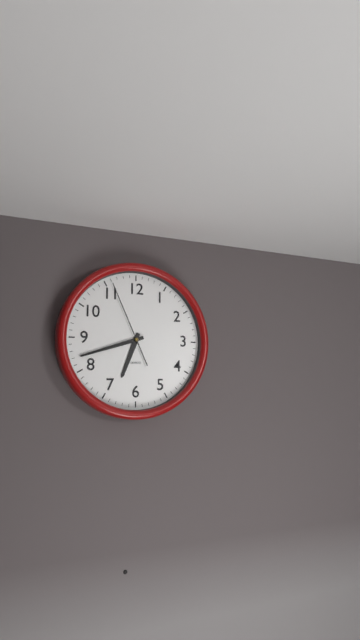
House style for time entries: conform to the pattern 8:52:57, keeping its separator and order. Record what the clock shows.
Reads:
6:42:56
